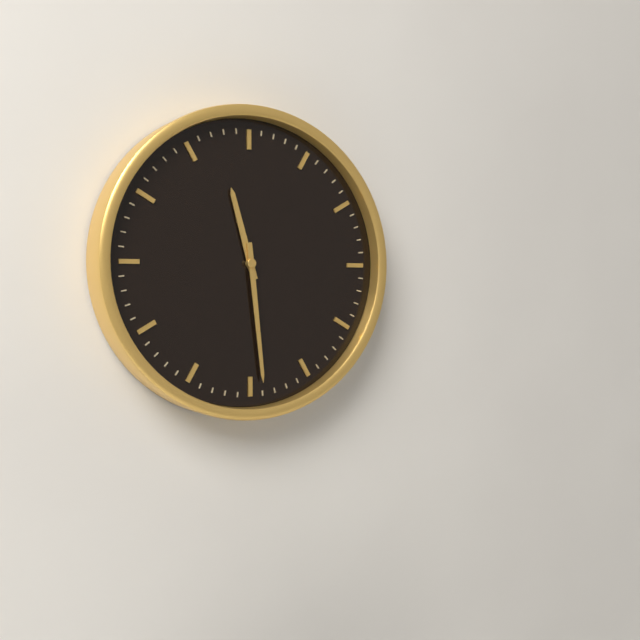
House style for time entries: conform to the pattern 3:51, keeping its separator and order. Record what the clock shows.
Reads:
11:29
